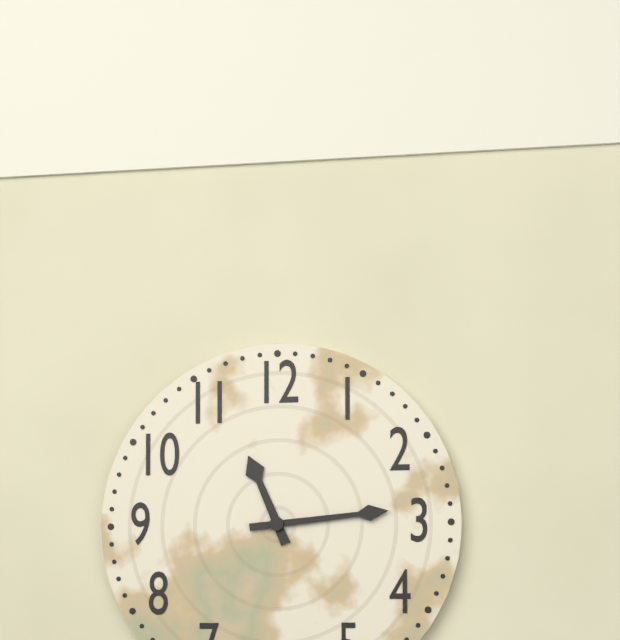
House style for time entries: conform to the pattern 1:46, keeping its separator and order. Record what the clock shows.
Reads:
11:14
